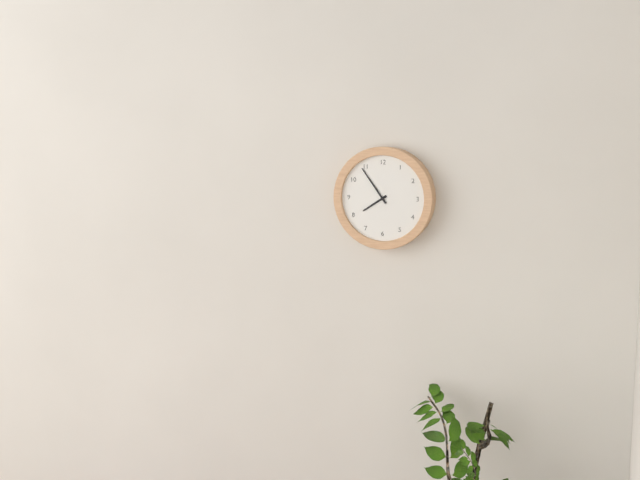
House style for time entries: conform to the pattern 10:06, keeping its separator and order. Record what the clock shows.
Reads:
7:54
